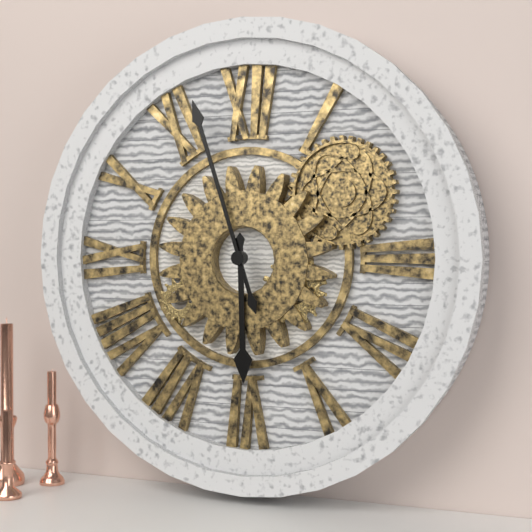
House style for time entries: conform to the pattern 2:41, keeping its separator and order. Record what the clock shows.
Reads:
5:57
